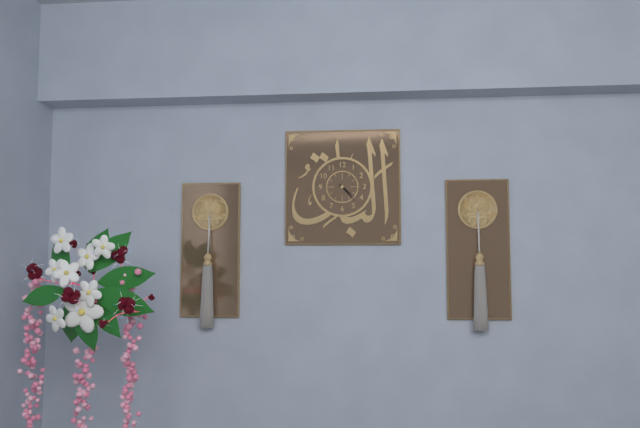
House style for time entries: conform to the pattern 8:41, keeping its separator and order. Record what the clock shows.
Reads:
4:23
